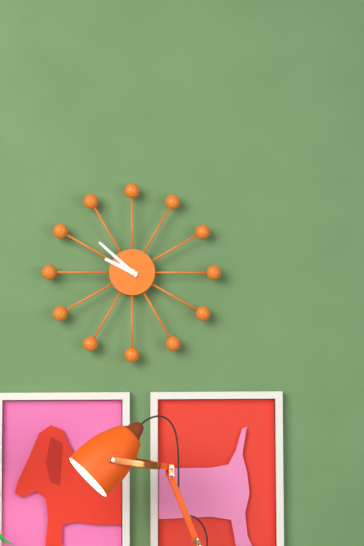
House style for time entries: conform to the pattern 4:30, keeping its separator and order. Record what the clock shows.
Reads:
9:52
